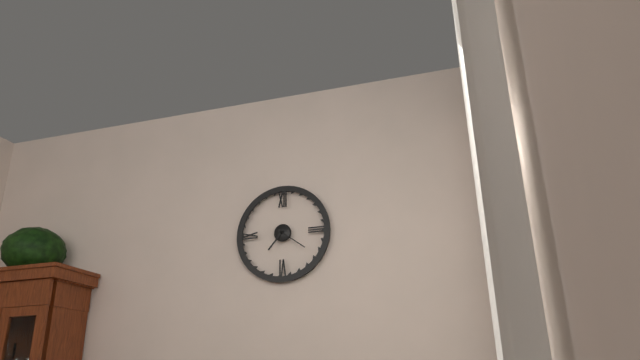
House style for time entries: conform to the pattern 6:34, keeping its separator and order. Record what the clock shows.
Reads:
7:21
